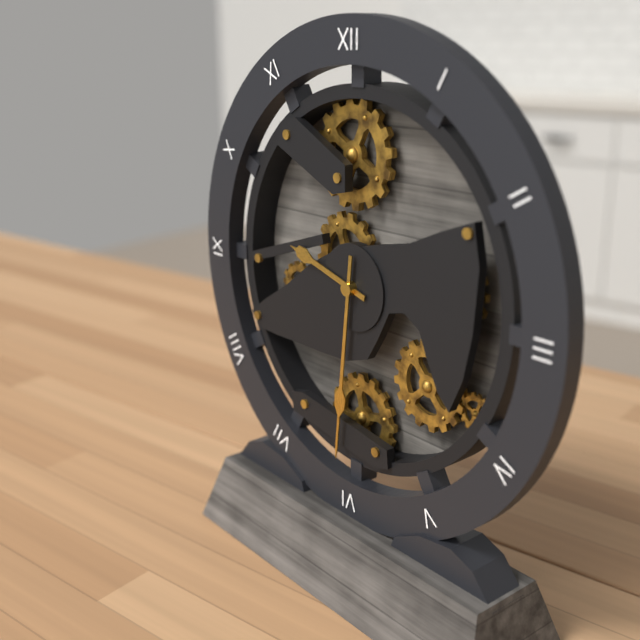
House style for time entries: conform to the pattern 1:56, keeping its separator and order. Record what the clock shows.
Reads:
9:31
